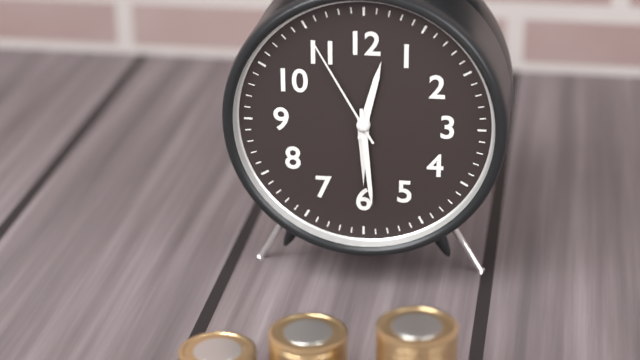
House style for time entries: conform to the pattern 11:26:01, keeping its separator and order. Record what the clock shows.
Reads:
12:29:55
